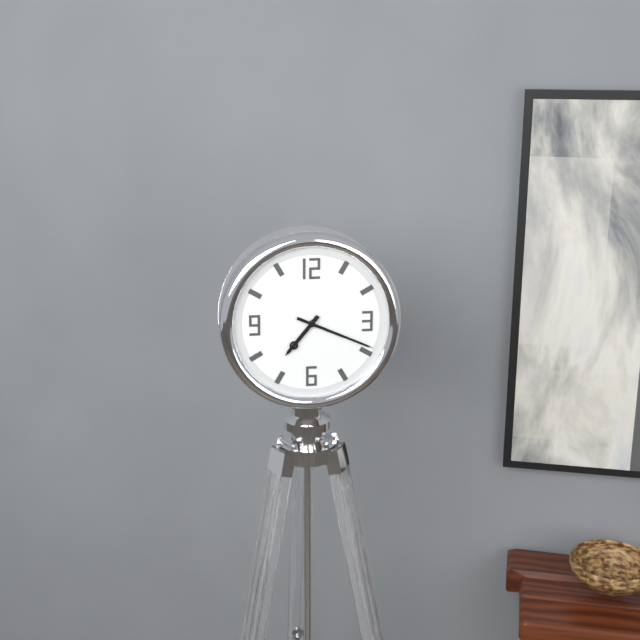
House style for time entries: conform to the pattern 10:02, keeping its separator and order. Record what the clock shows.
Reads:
7:19
